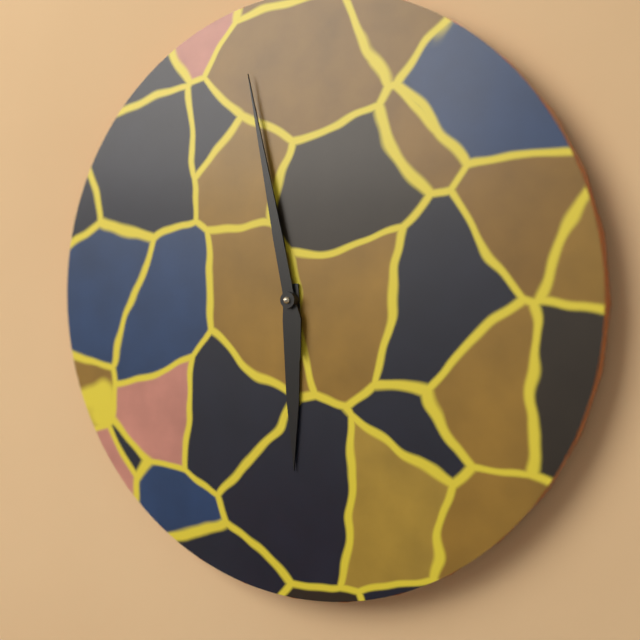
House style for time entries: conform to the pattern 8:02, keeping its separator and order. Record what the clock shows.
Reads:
5:58
